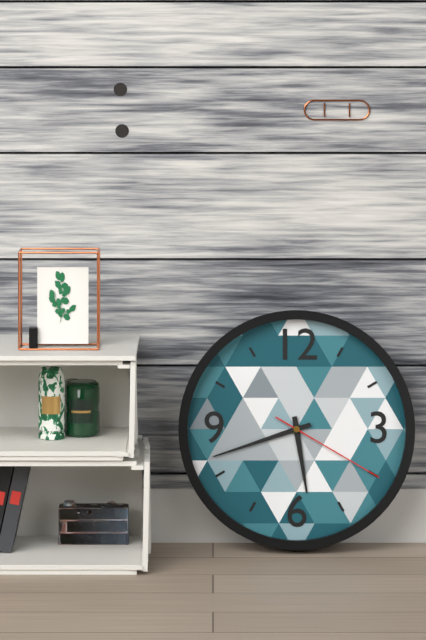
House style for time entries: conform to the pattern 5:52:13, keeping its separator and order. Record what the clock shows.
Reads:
5:42:20
